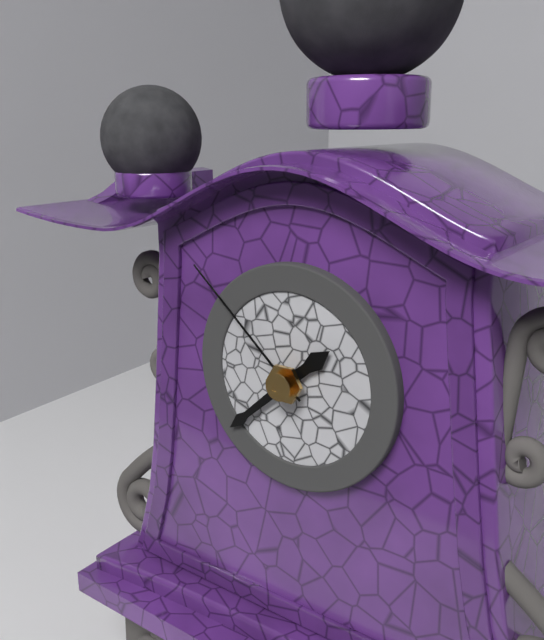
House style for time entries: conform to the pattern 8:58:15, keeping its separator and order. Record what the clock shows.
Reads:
1:38:52
